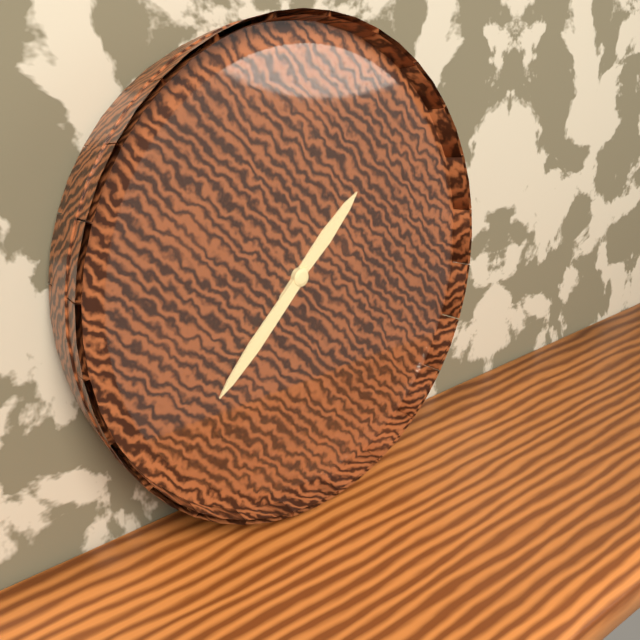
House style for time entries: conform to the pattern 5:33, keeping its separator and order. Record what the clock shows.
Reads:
1:38
